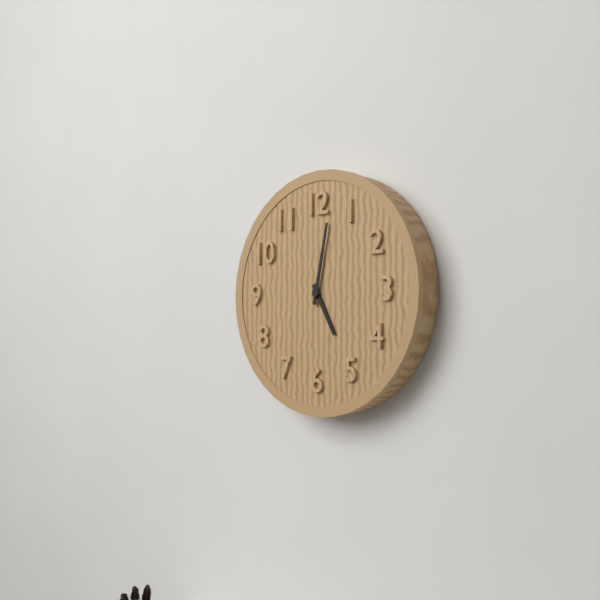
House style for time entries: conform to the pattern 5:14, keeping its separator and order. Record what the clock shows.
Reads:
5:02
